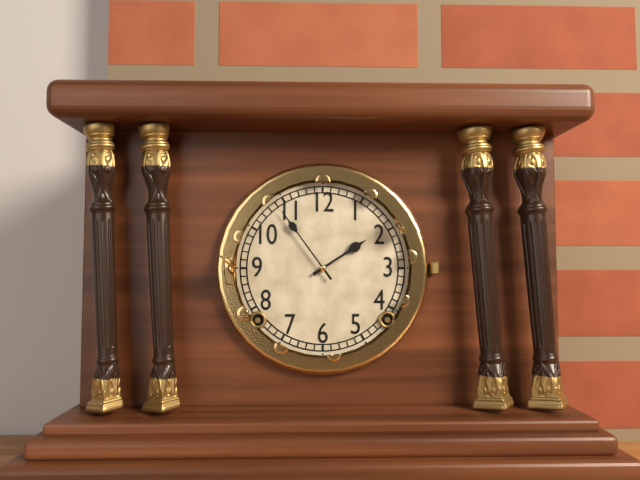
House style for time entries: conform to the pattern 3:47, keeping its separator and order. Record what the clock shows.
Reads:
1:54
